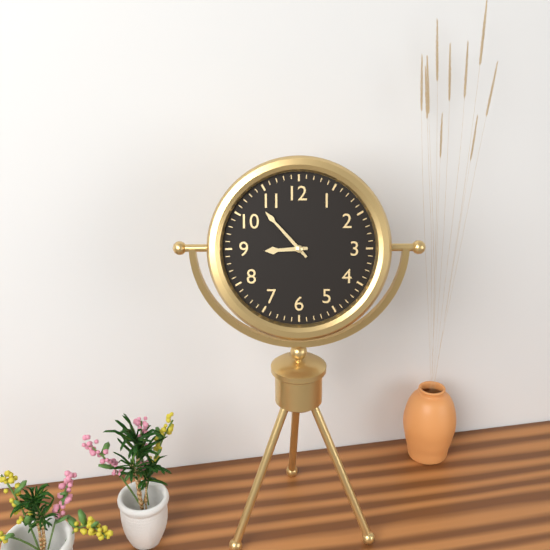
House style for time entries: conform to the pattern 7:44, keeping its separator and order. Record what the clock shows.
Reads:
8:53
